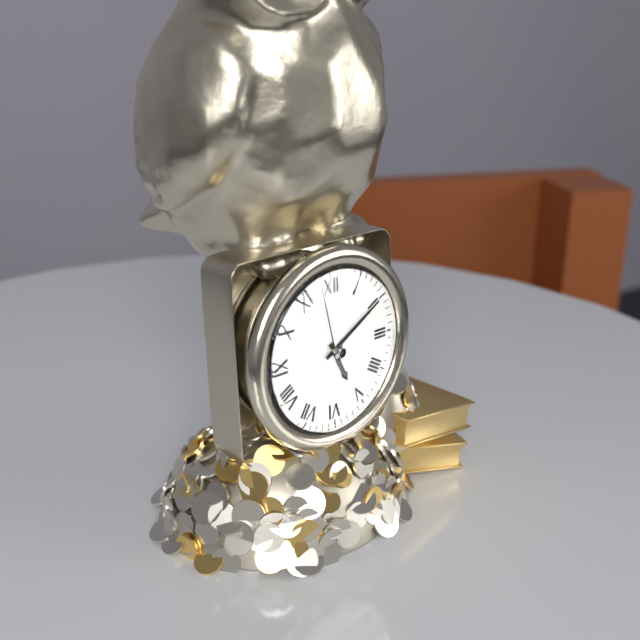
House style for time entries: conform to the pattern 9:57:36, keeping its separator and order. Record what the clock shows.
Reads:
5:10:58
